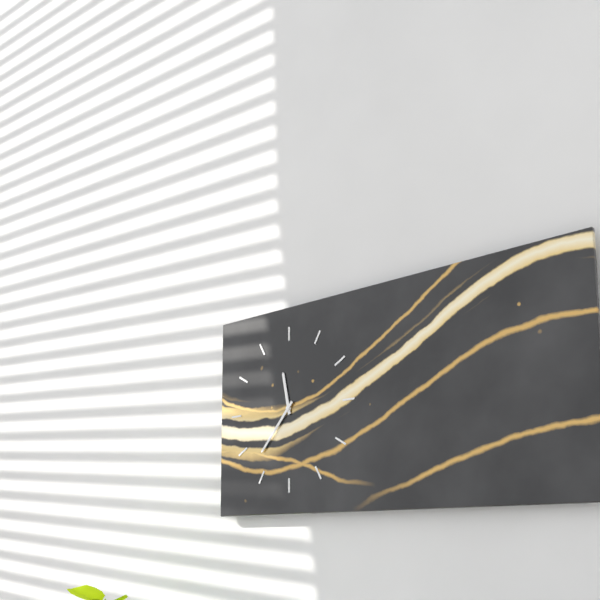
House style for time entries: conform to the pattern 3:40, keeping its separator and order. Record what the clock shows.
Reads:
11:37
